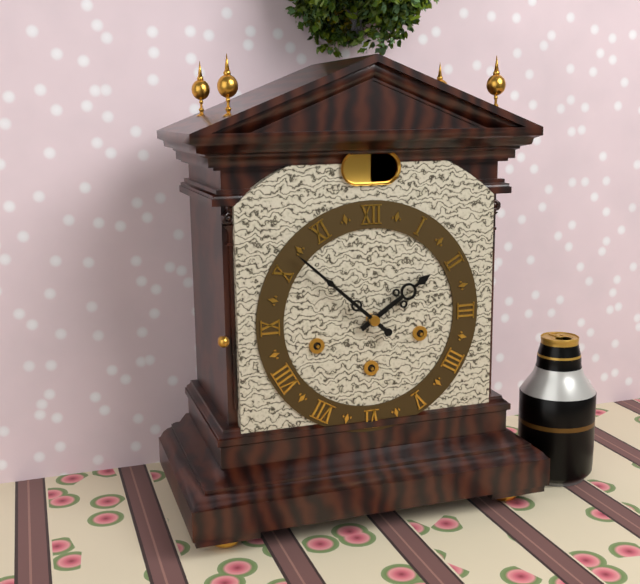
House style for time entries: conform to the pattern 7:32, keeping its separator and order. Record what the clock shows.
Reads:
1:52
